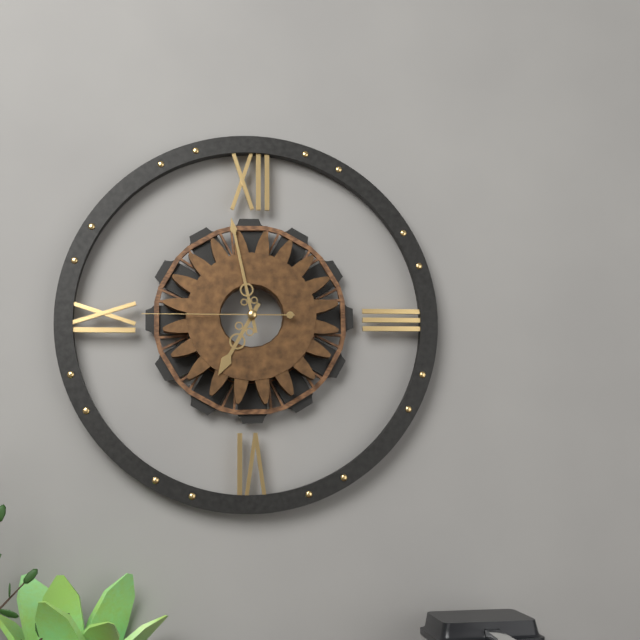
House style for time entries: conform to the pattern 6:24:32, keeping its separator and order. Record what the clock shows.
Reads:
6:58:45
